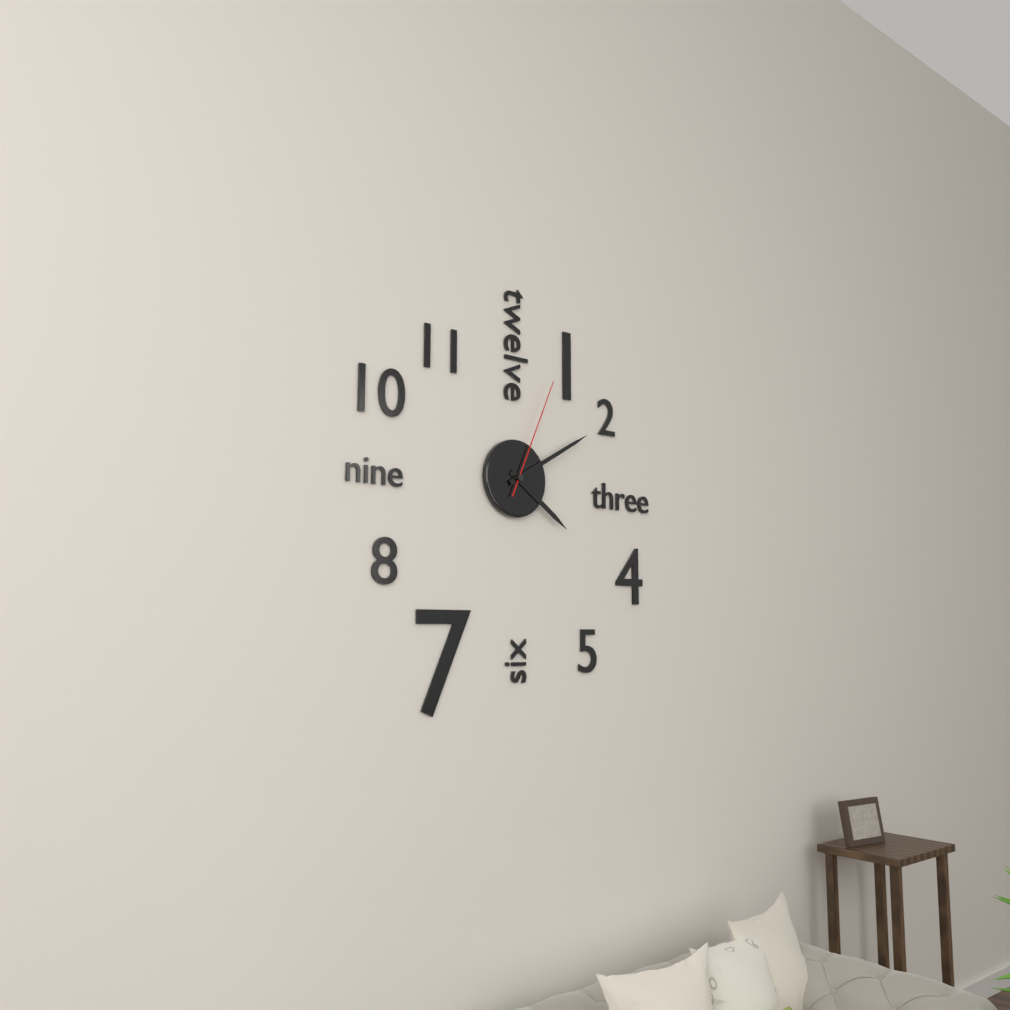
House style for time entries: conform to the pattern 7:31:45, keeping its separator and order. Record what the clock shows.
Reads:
4:10:04
